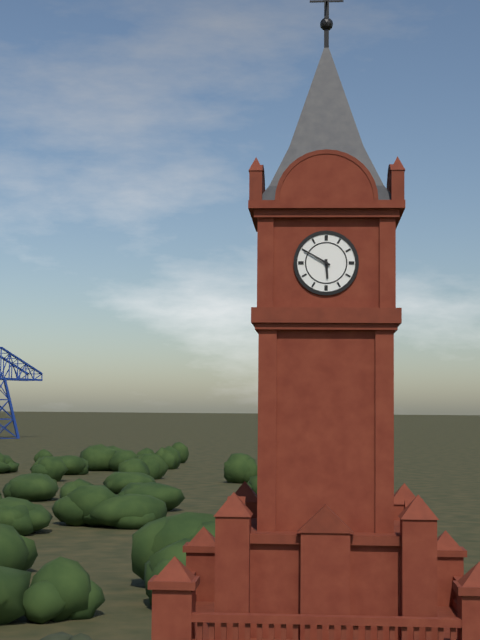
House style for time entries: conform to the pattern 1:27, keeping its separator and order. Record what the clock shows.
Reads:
5:50
